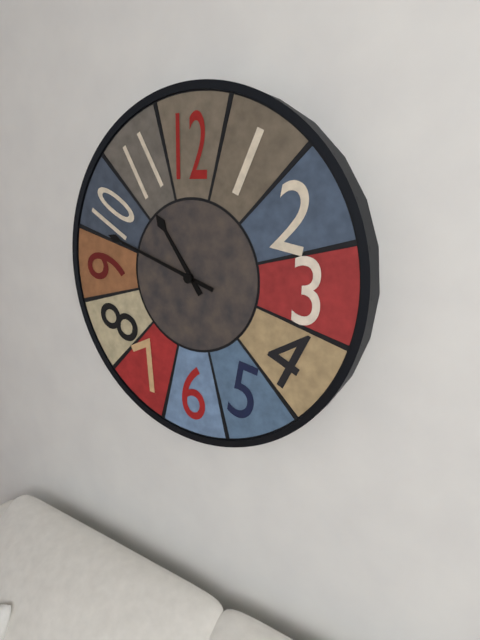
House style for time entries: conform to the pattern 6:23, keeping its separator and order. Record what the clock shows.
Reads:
10:48
